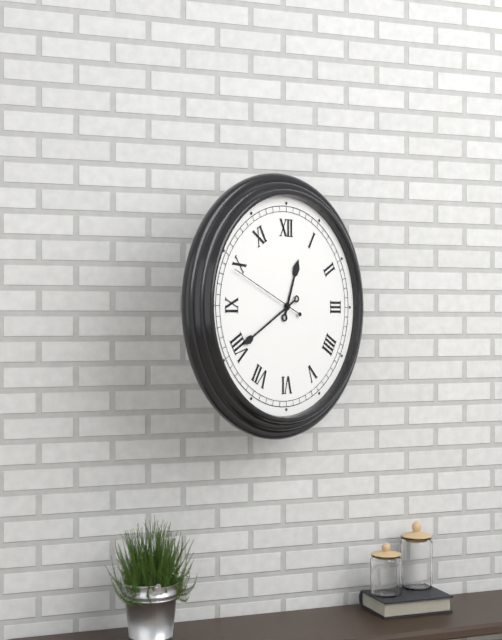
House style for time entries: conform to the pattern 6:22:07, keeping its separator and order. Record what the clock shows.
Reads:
12:40:49
